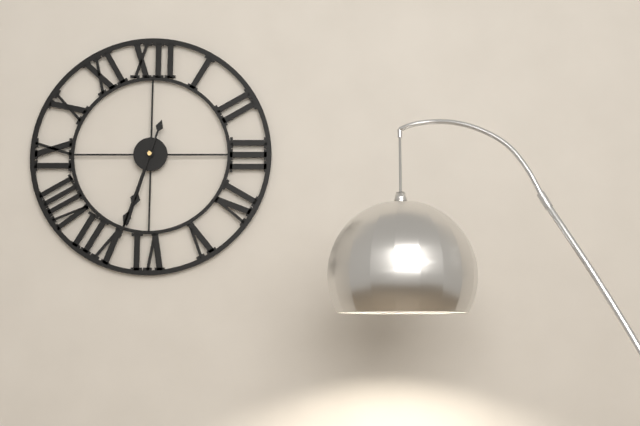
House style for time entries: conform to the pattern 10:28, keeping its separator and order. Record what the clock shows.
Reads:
6:33
